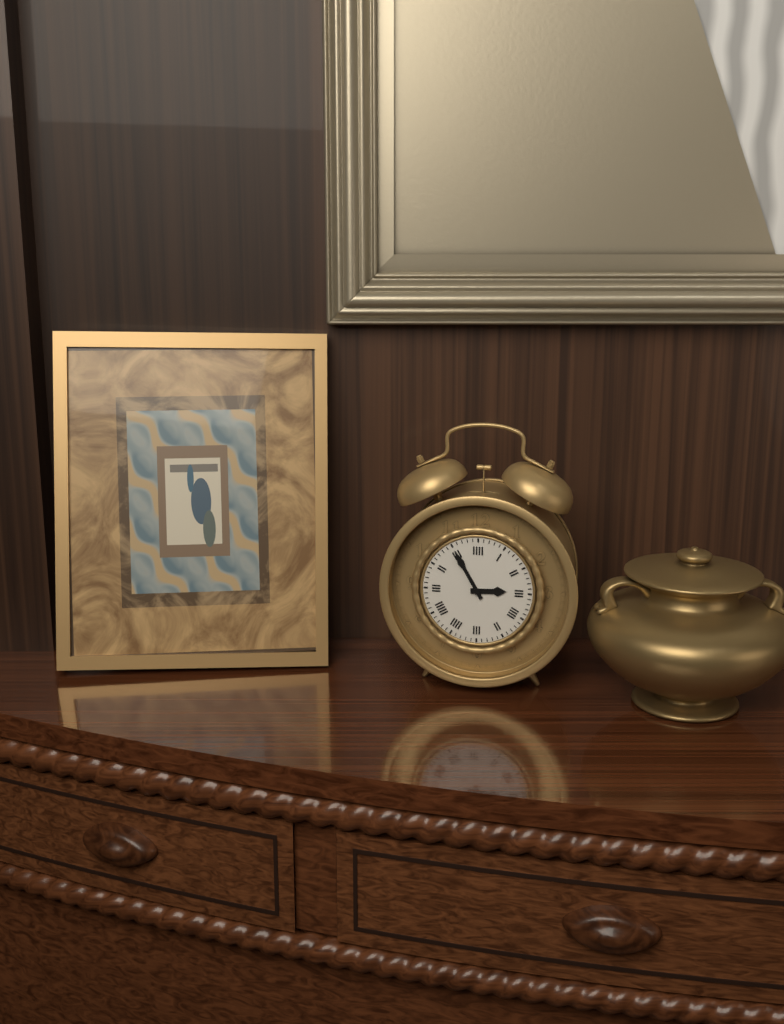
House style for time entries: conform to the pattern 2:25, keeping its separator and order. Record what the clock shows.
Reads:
2:55
